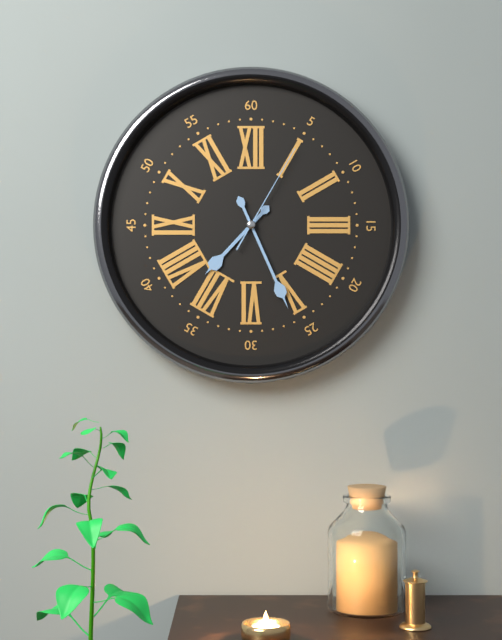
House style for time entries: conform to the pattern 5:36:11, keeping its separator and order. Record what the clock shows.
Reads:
7:26:05
